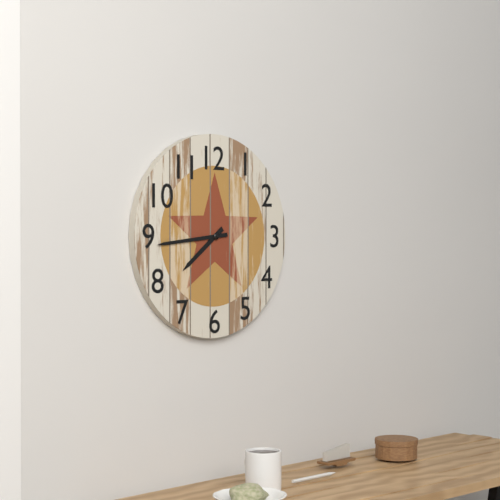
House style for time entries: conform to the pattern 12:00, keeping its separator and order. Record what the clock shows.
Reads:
7:44
